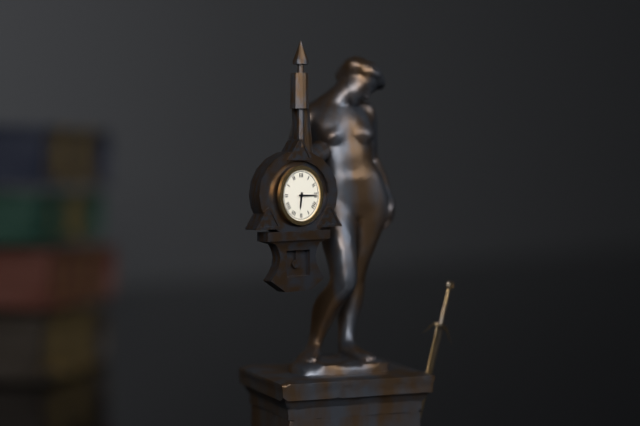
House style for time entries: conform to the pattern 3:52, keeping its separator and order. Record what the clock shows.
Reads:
6:15
